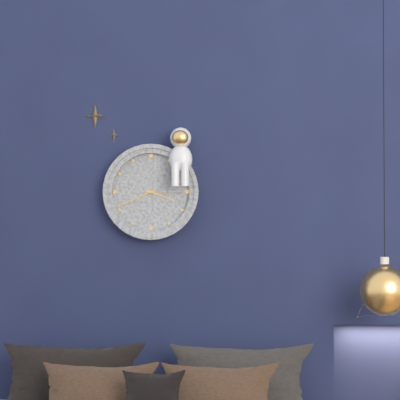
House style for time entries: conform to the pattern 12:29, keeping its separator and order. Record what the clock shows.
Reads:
3:41
